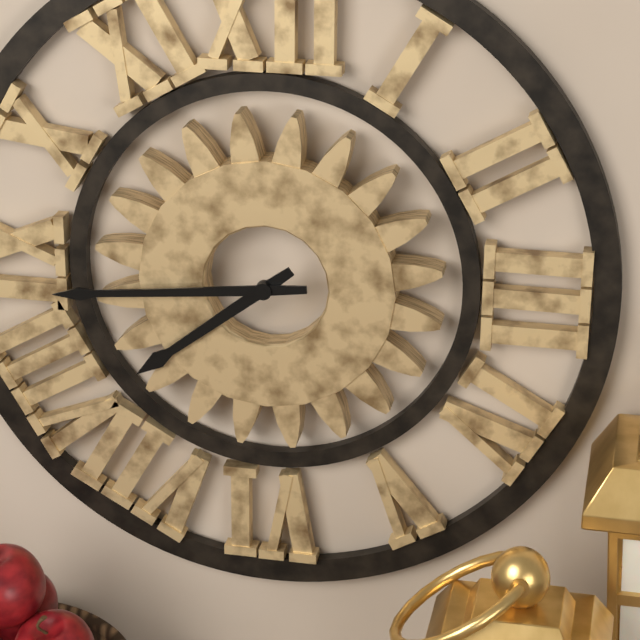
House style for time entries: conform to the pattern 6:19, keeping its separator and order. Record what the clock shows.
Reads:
7:44
